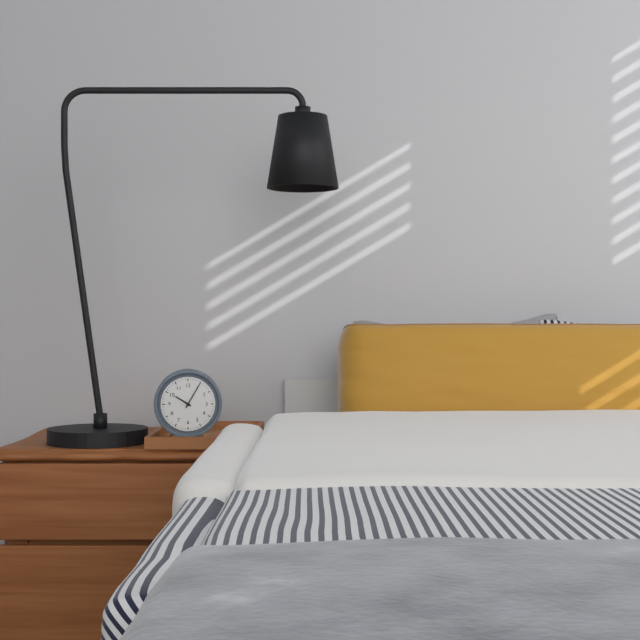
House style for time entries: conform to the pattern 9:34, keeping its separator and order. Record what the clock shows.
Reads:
10:05
